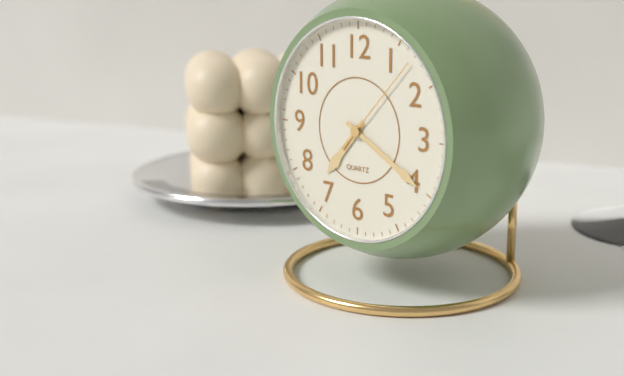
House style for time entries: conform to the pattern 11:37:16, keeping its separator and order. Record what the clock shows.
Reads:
7:20:07
